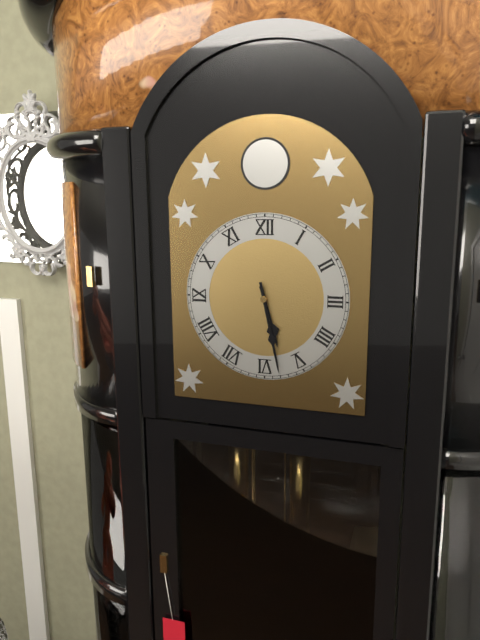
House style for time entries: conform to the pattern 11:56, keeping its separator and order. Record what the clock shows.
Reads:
5:28
